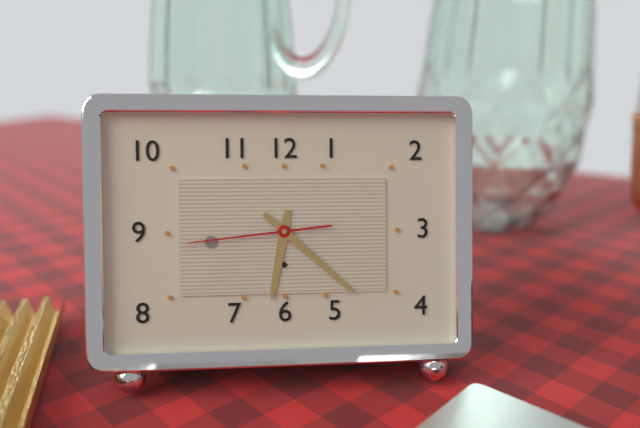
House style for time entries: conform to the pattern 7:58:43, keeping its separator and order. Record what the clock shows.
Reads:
6:22:44
